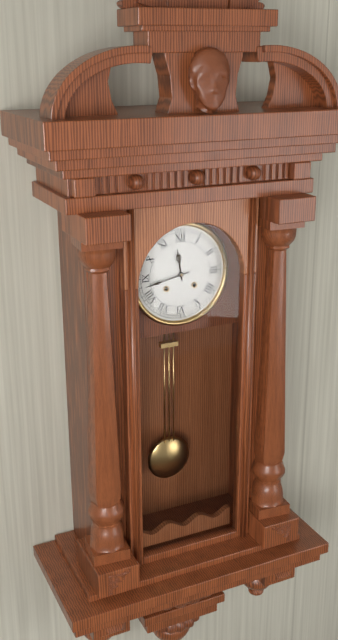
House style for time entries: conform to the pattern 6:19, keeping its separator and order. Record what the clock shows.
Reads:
11:43
